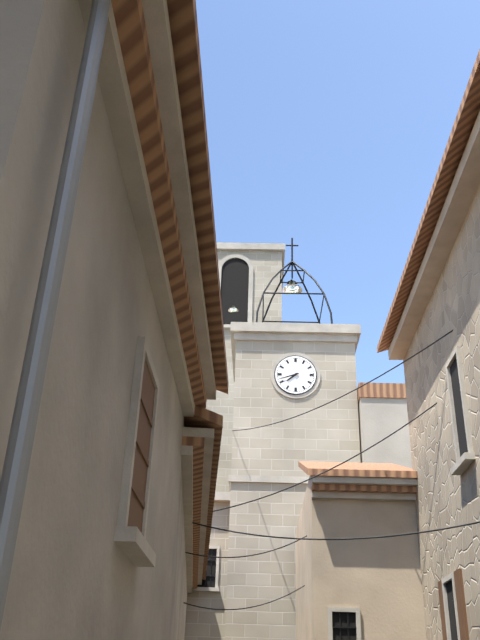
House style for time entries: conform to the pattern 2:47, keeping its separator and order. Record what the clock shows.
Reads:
7:42
